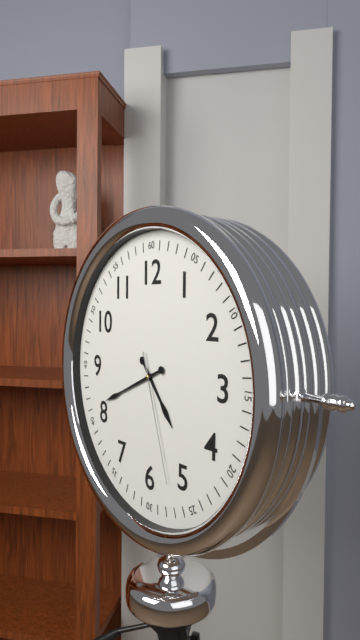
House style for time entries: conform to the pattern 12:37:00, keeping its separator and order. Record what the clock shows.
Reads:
4:41:27
